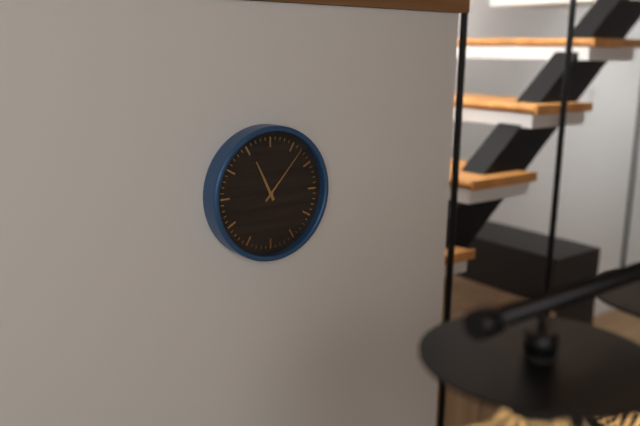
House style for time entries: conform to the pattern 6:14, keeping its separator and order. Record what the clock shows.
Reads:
11:07
